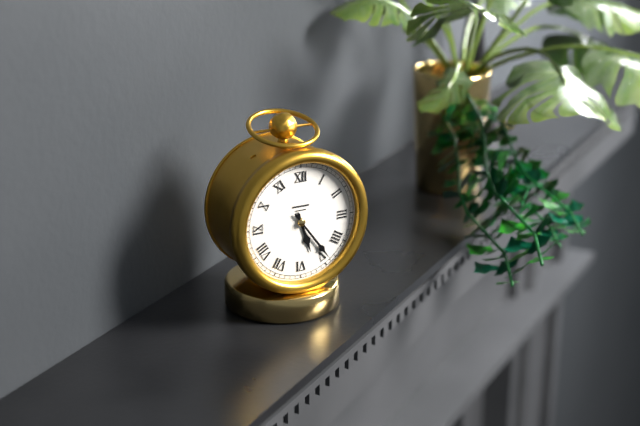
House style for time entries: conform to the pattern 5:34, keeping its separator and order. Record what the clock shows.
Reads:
5:24
